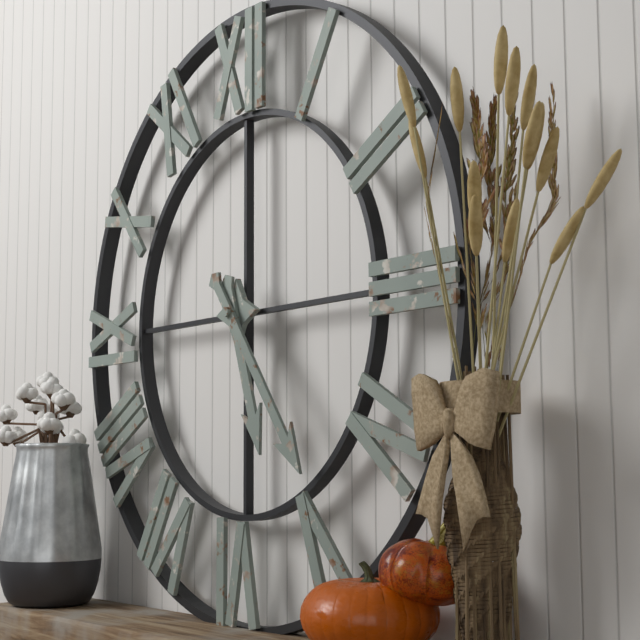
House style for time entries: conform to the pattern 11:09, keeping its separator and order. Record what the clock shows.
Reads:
5:24
